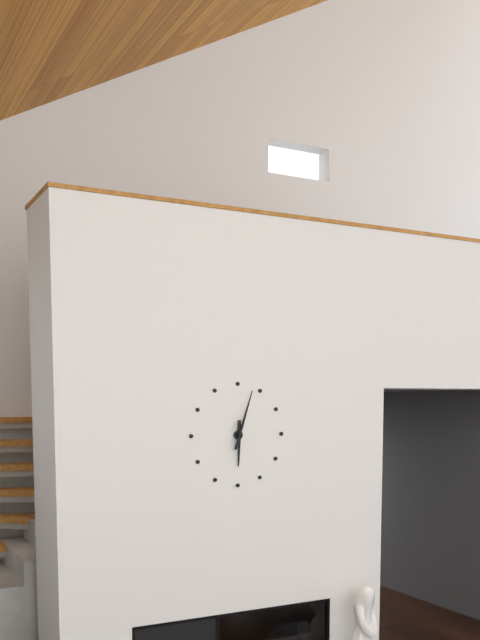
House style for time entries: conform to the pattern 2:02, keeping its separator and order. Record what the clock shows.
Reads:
6:03
